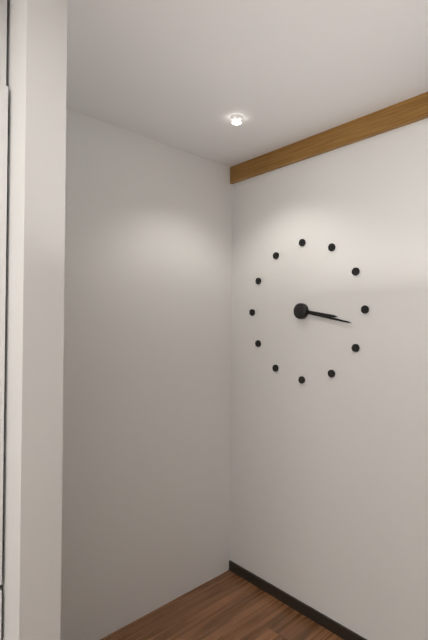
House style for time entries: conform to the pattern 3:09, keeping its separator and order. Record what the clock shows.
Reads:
3:17
